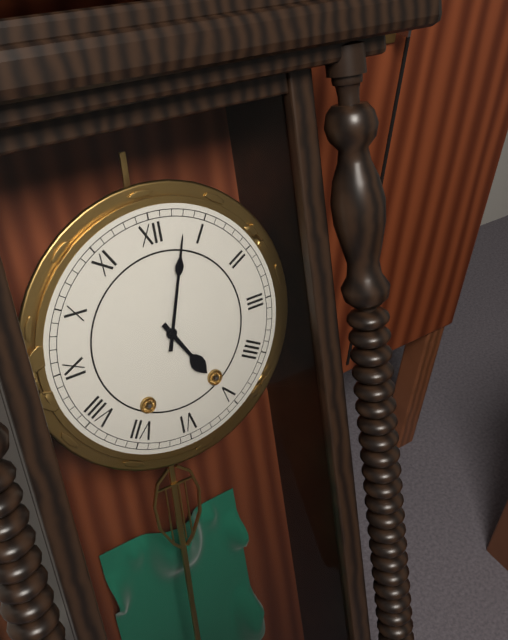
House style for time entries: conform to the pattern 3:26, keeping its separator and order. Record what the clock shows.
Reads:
5:03
